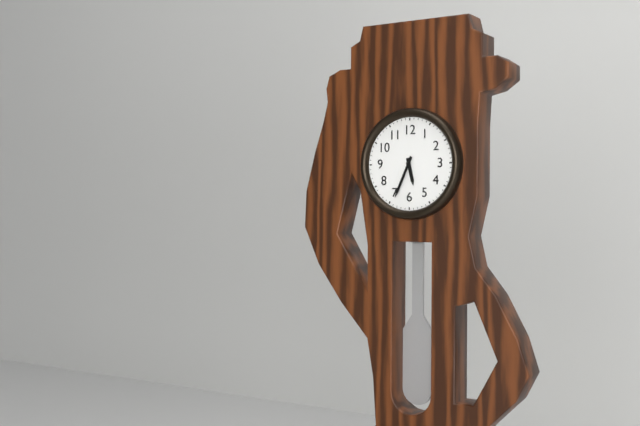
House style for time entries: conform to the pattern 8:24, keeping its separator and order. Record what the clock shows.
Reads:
5:34
